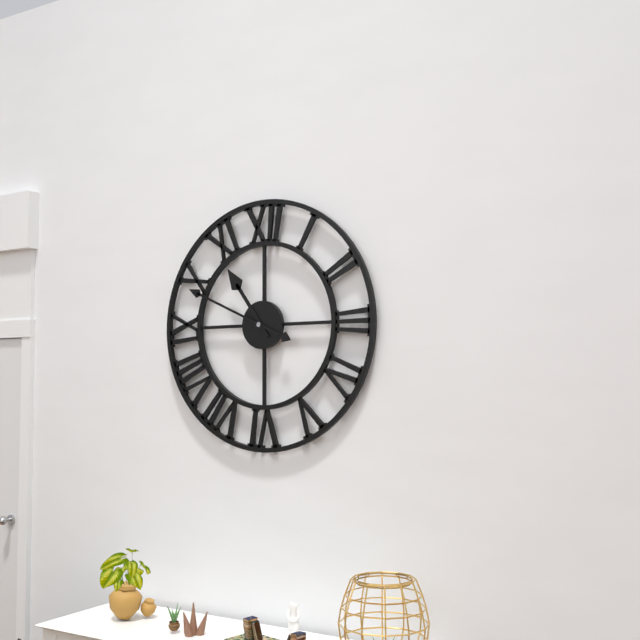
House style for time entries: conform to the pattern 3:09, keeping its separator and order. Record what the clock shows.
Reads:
10:49
